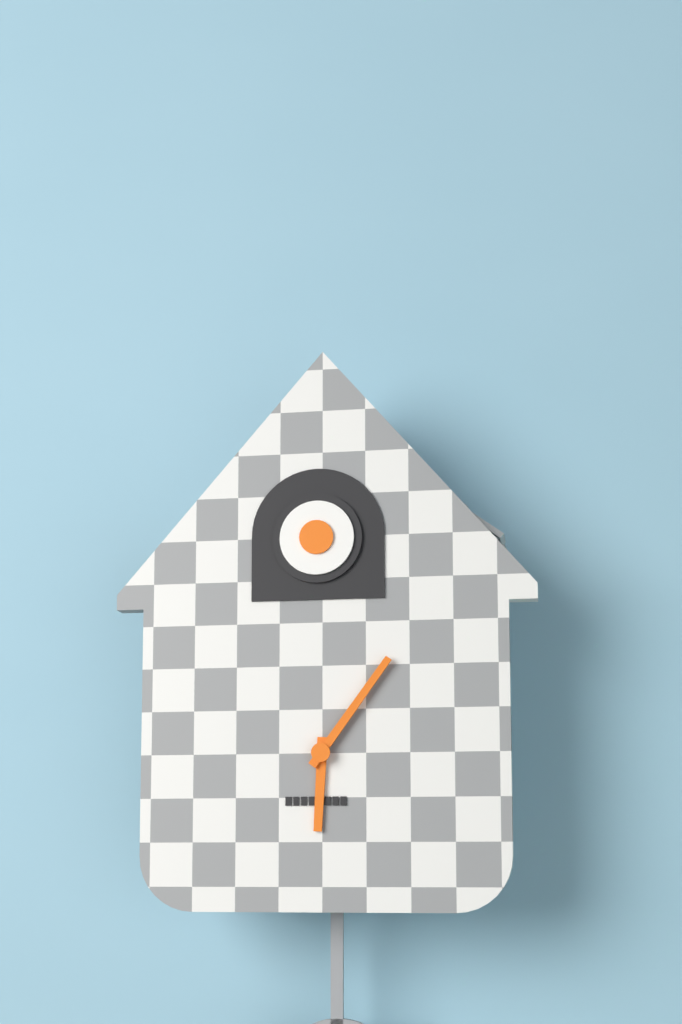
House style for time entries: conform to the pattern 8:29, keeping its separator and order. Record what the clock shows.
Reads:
6:06
